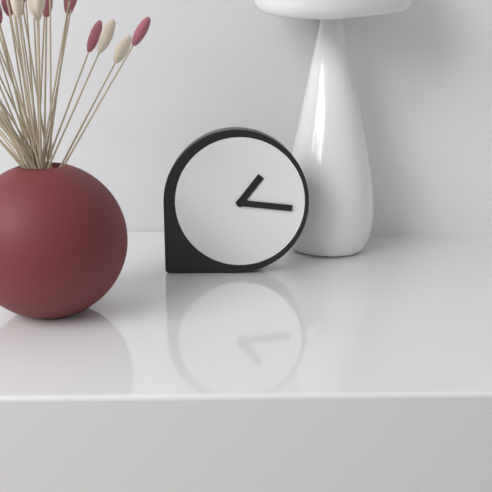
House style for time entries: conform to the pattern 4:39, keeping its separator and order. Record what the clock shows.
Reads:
1:16
